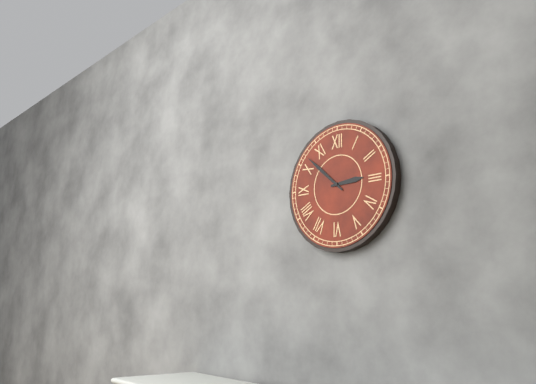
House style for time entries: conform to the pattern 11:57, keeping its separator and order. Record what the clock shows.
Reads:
2:52
